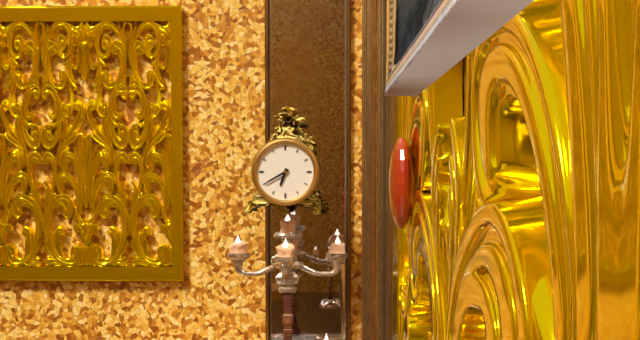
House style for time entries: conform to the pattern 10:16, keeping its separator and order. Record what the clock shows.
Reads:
6:40
